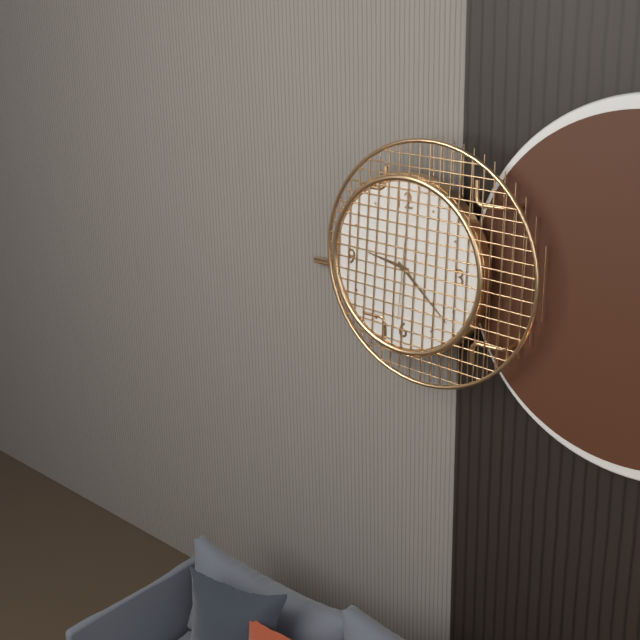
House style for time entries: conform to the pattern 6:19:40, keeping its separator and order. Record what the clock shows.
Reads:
9:22:31
